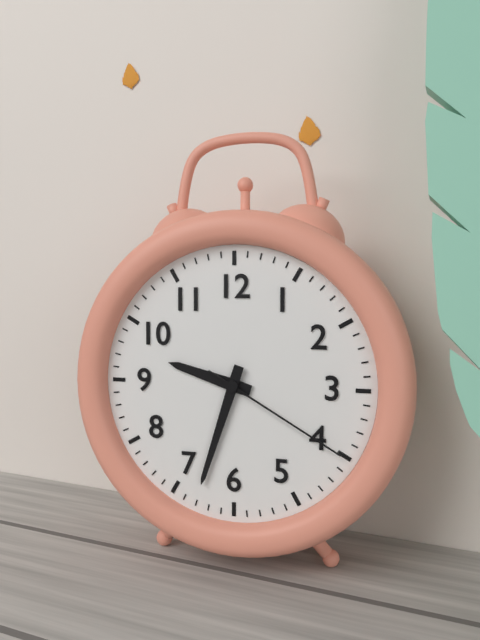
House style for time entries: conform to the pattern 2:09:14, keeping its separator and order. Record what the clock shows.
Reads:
9:33:20
